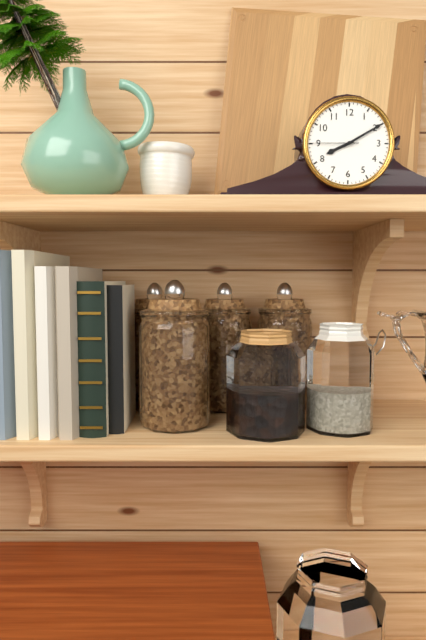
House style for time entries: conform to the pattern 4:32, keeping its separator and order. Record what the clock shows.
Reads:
8:10
